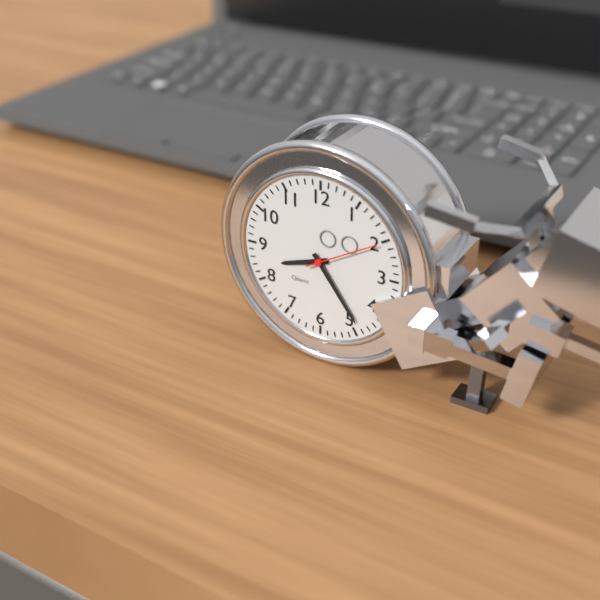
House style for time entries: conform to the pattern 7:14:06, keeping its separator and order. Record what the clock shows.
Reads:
8:24:10
